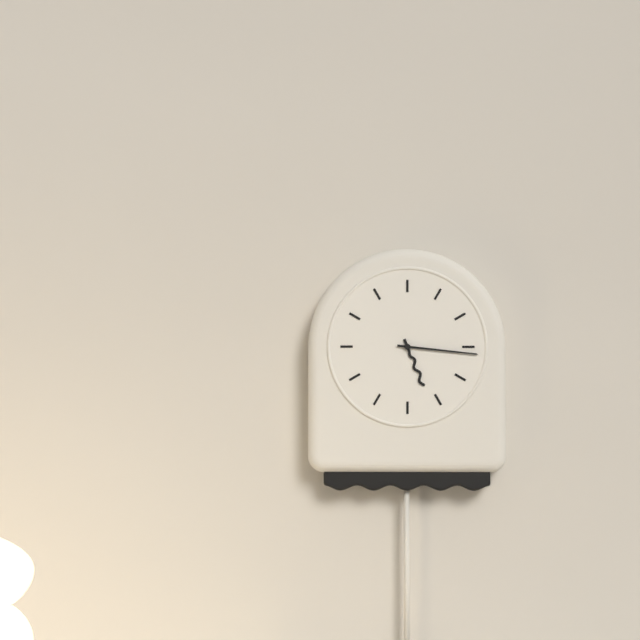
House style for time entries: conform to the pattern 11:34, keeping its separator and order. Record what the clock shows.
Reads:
5:16
